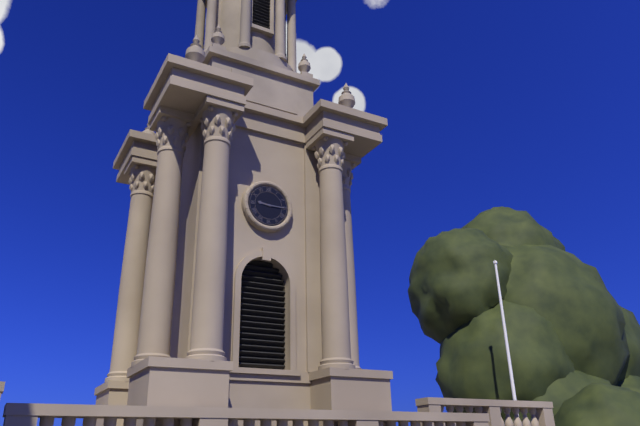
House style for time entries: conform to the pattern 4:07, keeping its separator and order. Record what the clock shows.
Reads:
9:15
